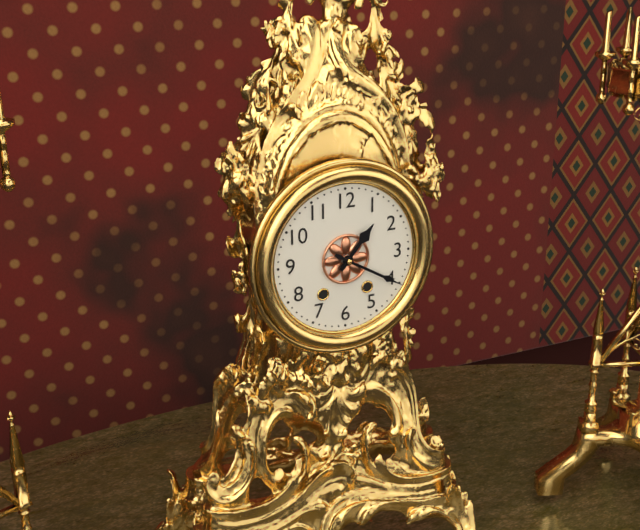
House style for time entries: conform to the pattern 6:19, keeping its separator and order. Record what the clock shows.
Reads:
1:20
